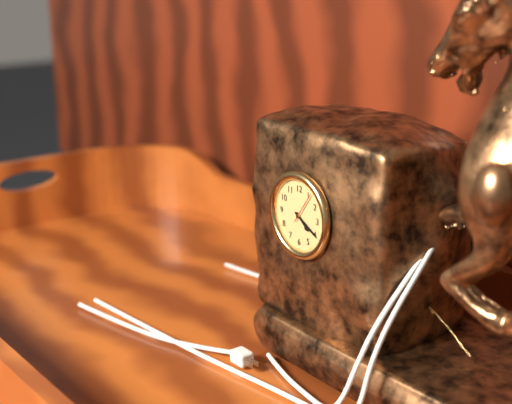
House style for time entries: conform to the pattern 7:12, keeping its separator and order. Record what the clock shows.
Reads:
4:20
